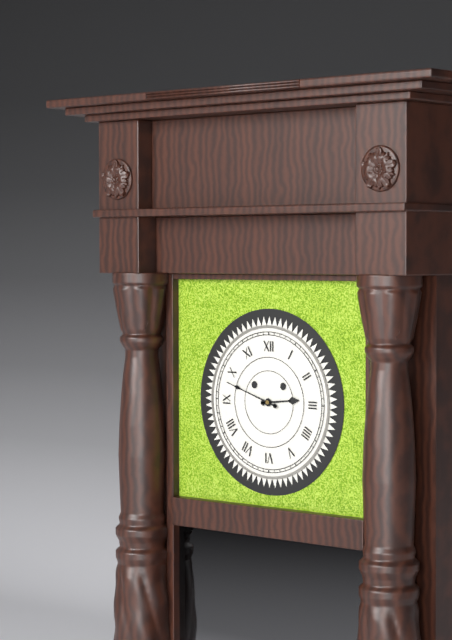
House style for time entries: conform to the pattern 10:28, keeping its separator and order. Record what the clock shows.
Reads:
2:48
